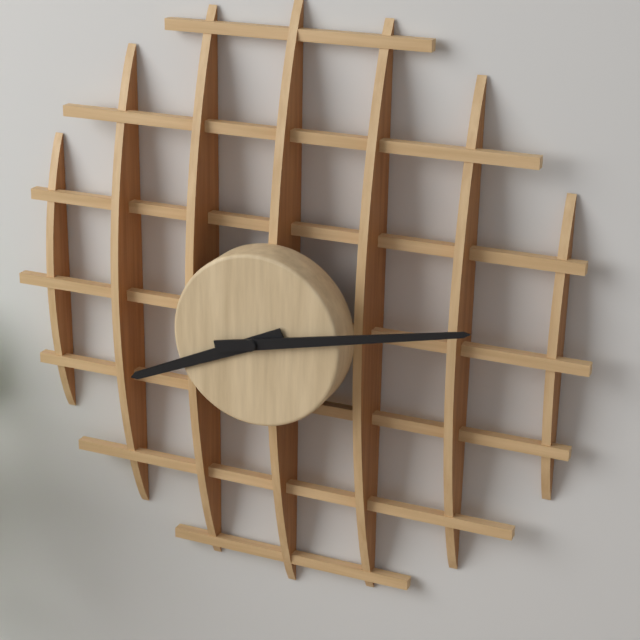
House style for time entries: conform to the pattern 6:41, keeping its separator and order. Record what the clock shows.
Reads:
8:13
